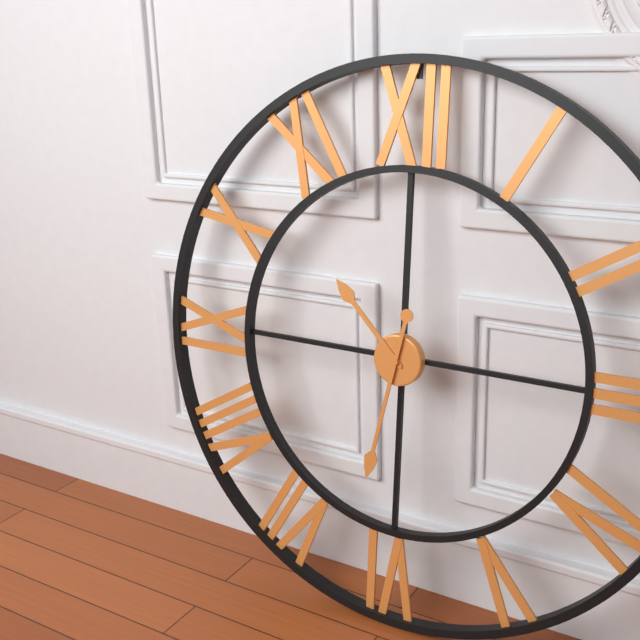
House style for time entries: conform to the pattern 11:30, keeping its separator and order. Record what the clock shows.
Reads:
10:32
